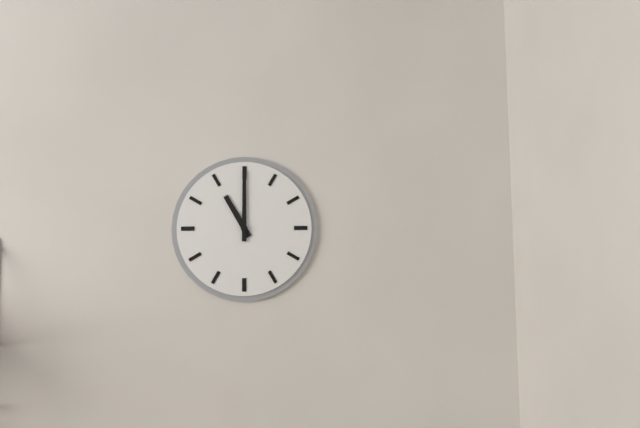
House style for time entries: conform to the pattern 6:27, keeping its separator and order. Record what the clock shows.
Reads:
11:00
